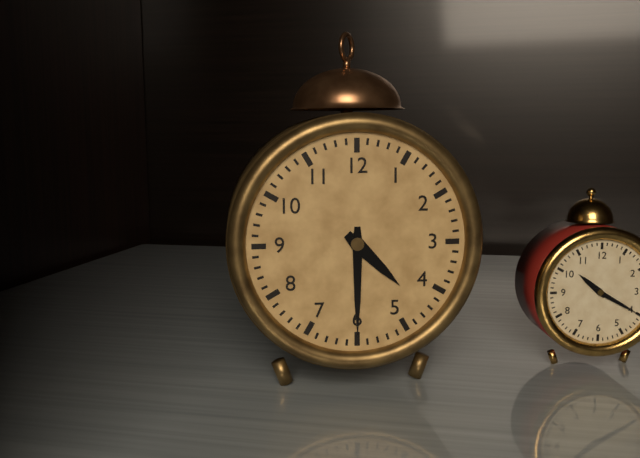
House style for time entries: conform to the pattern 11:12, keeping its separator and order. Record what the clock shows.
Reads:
4:30
